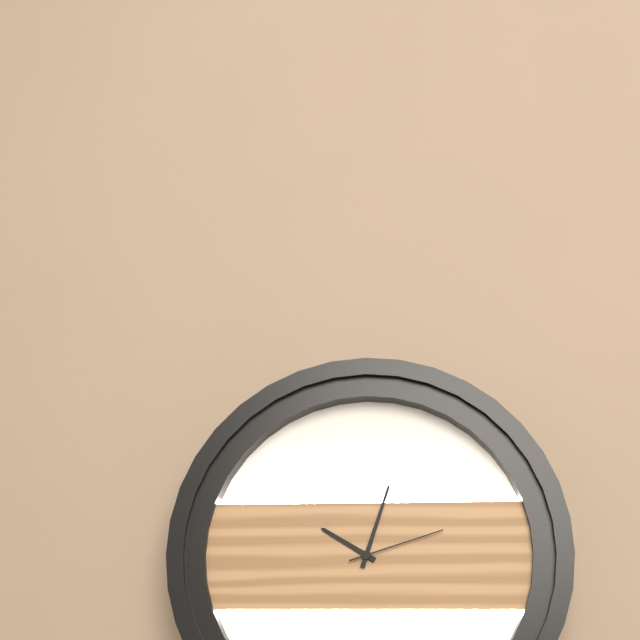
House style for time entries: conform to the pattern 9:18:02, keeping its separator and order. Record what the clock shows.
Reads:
10:03:12
